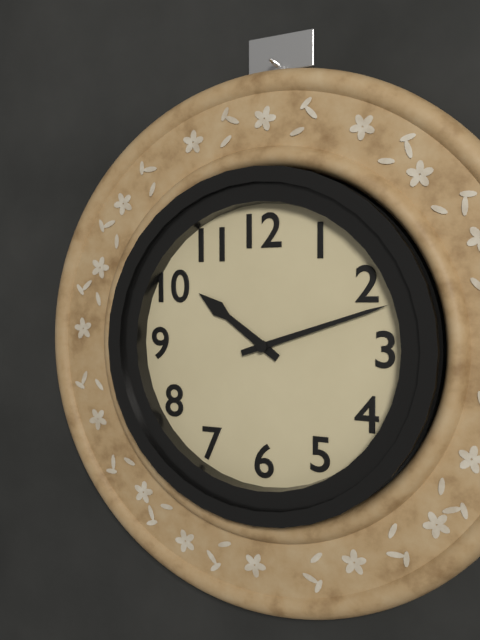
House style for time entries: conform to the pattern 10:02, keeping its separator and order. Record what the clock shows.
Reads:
10:12
